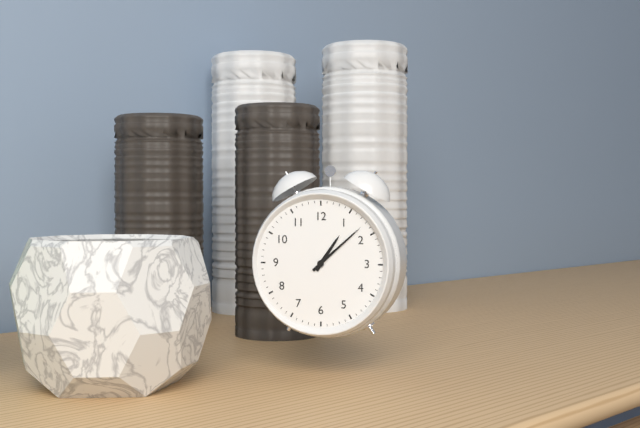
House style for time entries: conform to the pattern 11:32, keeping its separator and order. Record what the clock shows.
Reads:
1:08
